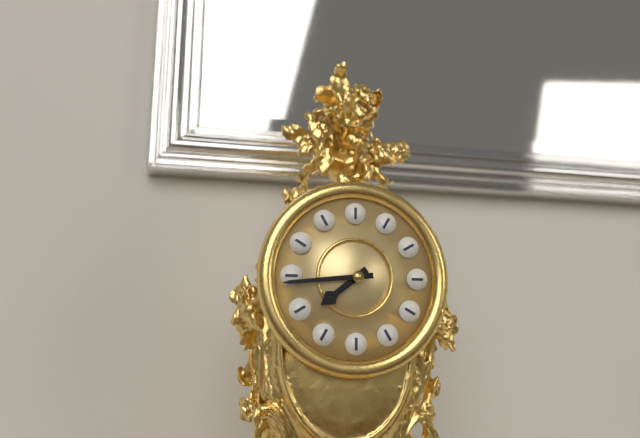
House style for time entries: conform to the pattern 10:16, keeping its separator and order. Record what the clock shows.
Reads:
7:44
